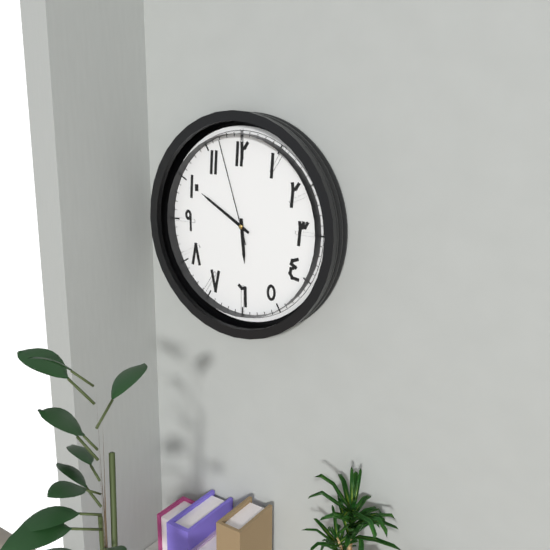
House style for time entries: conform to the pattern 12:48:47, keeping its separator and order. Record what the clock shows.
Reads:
5:50:57
